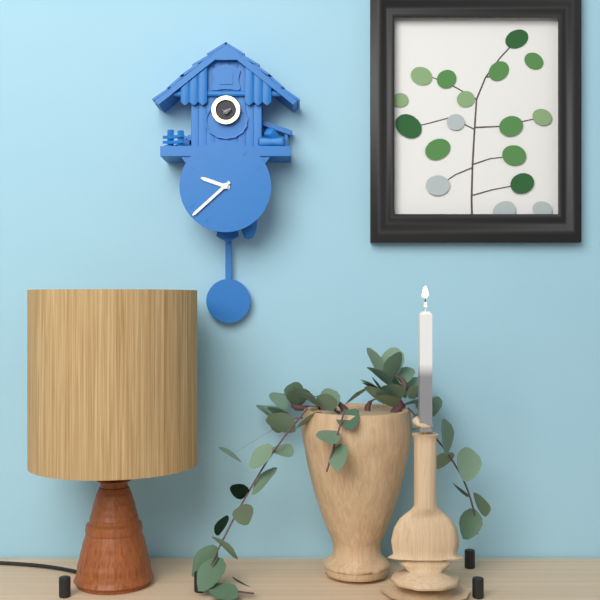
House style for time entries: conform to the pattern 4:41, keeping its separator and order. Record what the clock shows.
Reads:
9:38
